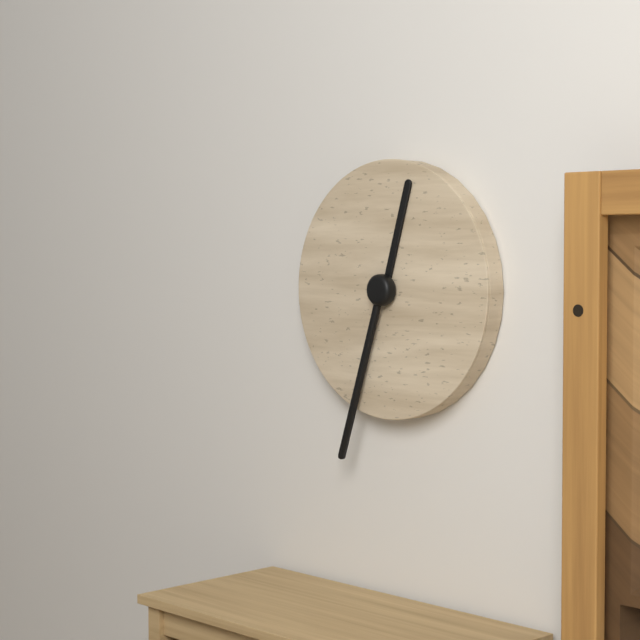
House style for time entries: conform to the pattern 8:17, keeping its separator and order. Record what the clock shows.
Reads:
12:33
